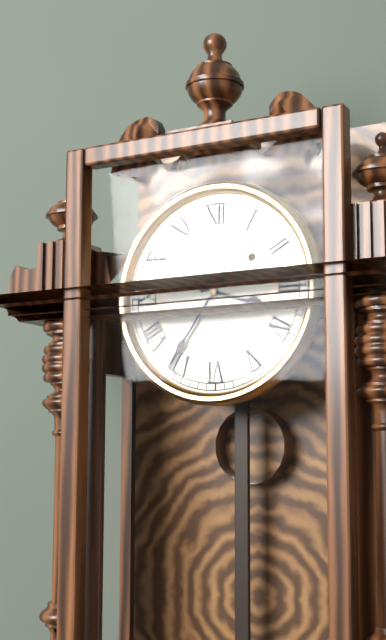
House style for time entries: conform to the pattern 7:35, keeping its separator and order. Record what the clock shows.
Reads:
3:36
